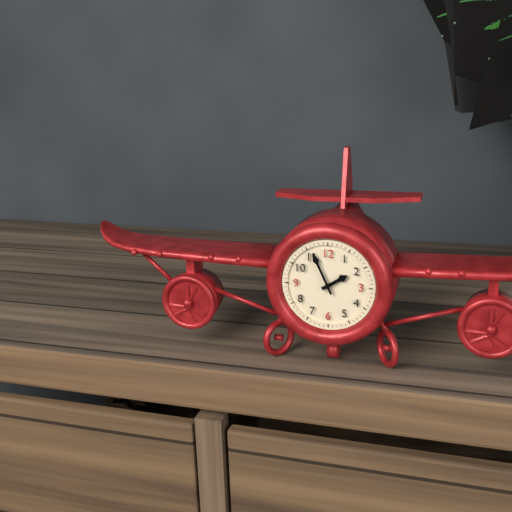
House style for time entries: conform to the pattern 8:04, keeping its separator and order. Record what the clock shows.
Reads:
1:56
